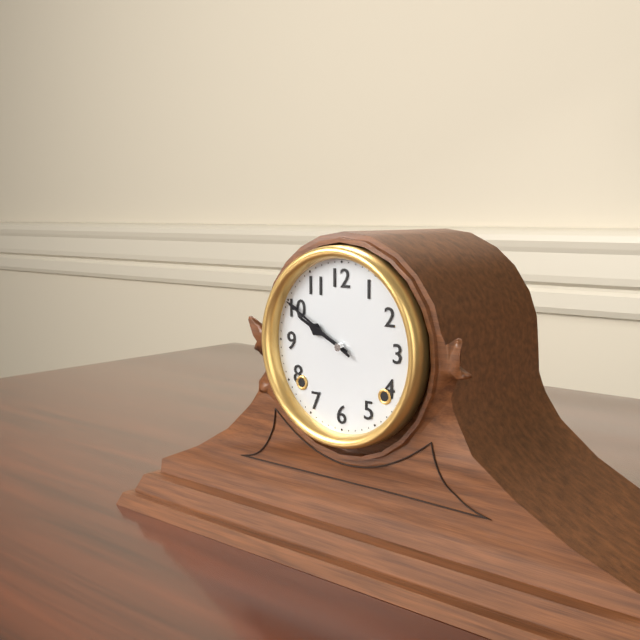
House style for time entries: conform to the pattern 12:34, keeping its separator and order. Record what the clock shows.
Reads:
9:50
